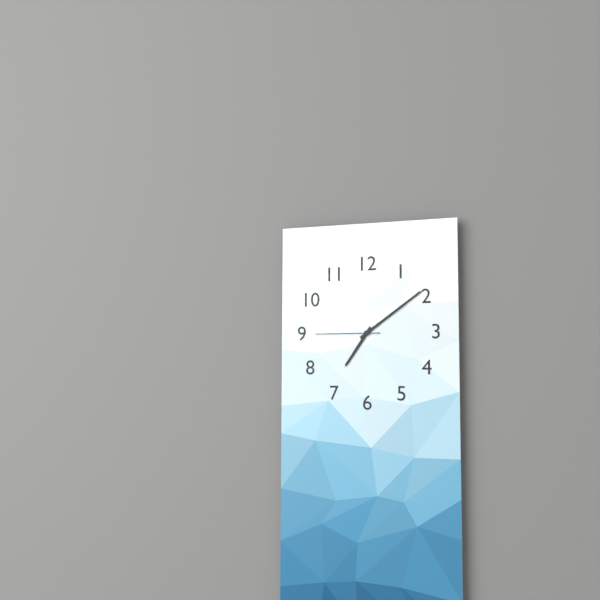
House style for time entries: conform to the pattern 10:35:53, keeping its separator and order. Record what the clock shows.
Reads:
7:09:45
